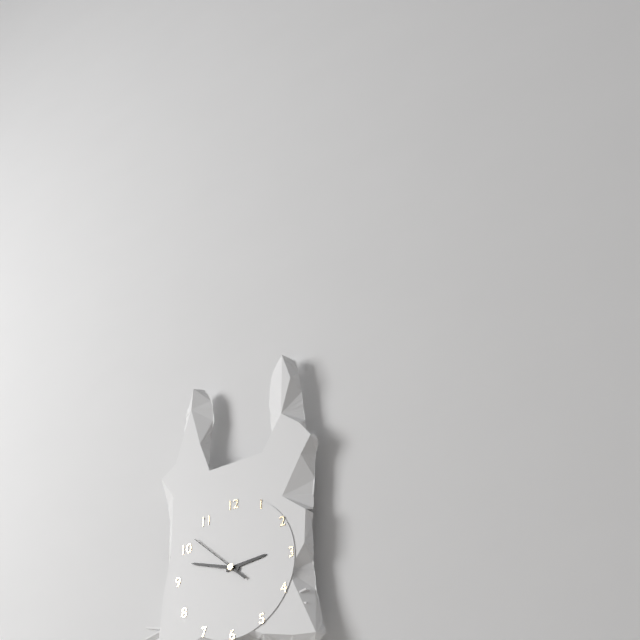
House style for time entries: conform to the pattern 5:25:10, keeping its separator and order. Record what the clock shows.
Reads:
2:48:52
